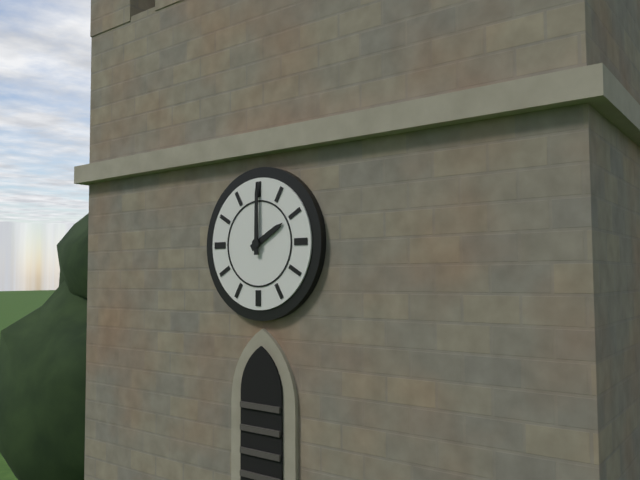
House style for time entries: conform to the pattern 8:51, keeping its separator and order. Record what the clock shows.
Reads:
2:00
